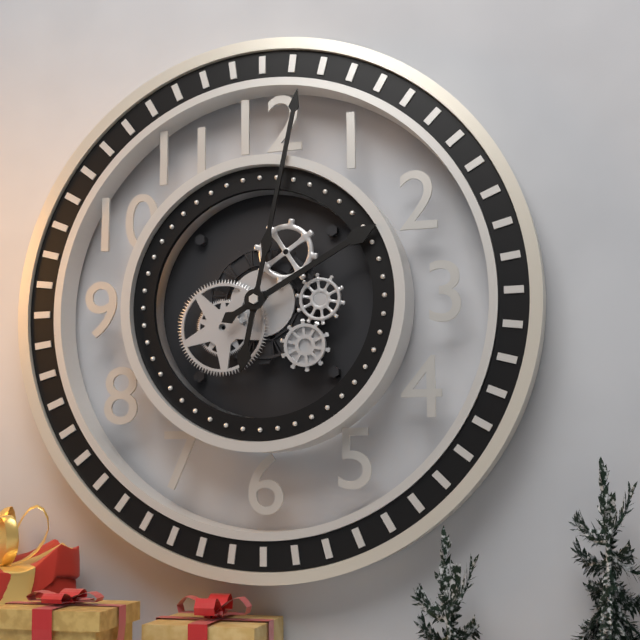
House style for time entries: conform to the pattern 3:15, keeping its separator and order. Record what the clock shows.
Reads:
2:02
